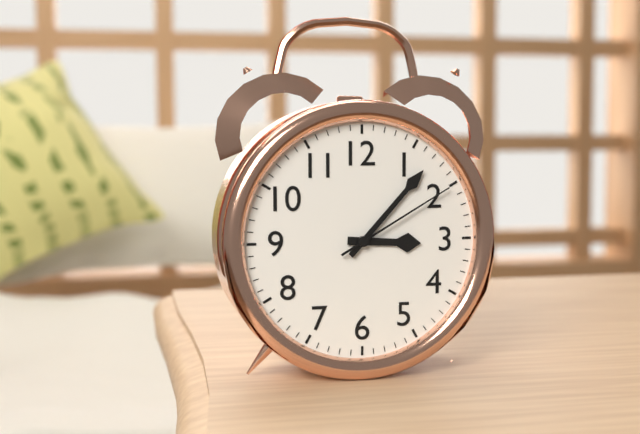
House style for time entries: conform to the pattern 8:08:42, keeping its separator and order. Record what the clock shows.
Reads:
3:07:10
